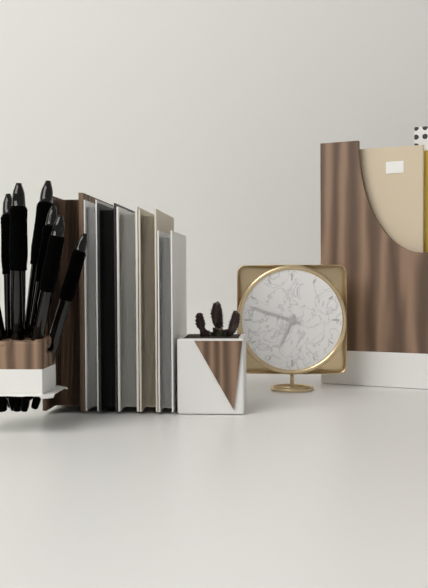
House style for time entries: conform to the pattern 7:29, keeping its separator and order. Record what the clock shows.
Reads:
6:48
